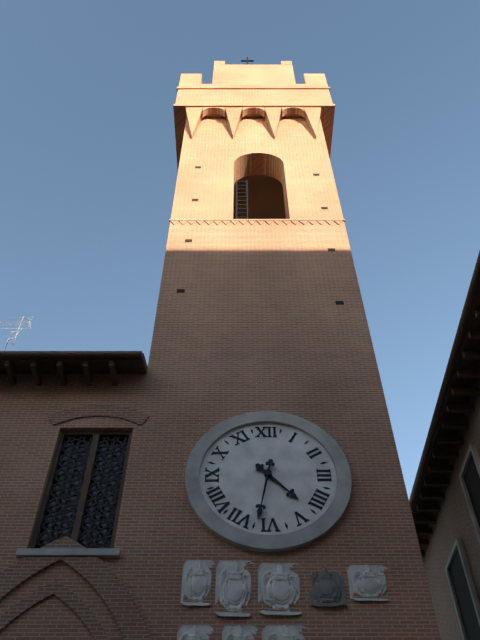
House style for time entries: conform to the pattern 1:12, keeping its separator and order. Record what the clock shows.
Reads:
4:32
